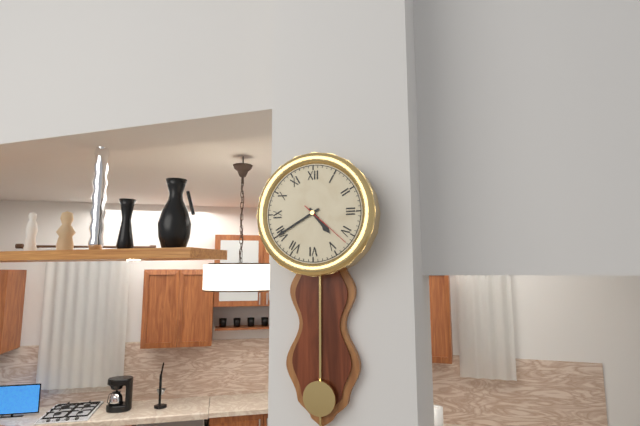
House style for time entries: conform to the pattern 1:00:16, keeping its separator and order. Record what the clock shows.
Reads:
4:40:22
